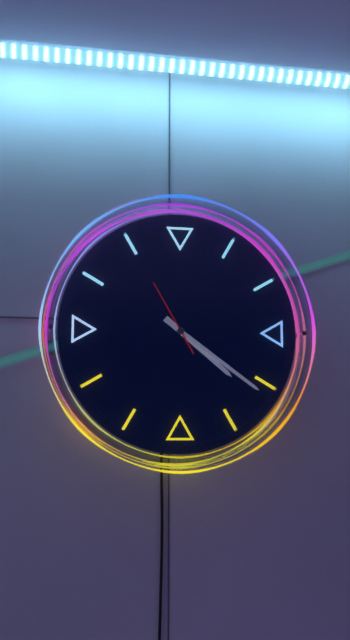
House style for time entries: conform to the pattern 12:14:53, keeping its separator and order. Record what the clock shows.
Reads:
4:21:55
